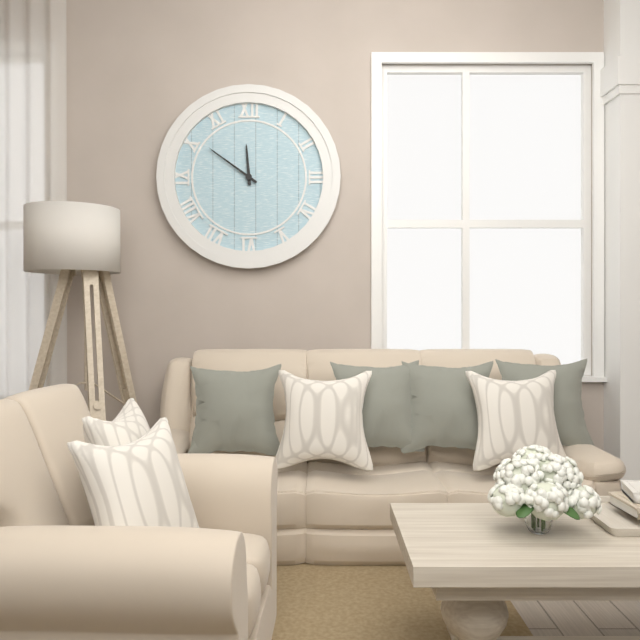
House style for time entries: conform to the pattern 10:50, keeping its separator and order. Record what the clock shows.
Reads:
11:51
